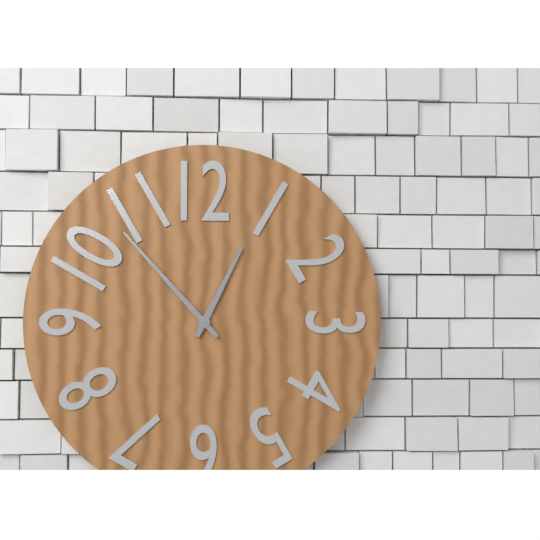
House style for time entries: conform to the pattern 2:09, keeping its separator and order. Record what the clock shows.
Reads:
12:53
